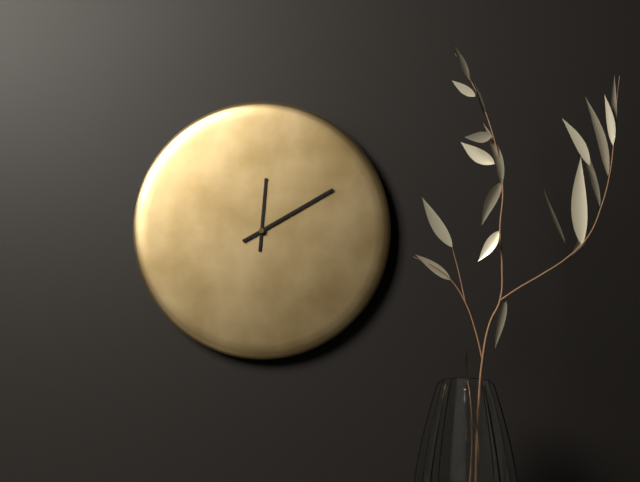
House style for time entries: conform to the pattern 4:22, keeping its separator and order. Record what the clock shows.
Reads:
12:10
